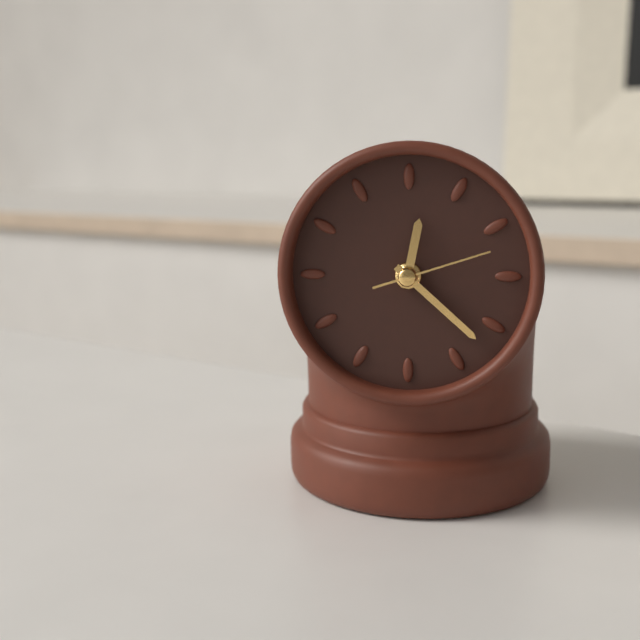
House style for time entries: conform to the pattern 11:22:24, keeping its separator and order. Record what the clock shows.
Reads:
12:22:12
